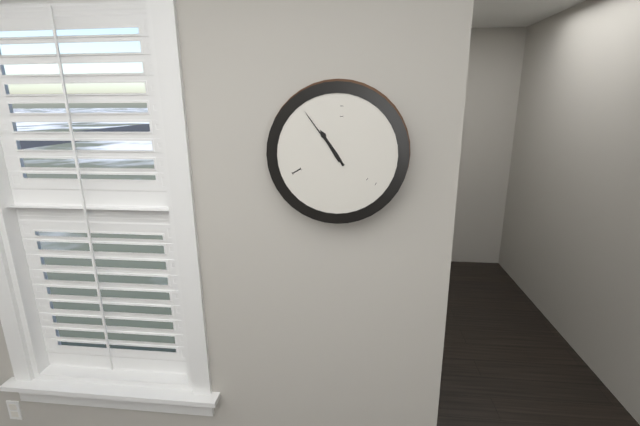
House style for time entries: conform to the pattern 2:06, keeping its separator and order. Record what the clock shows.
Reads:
10:54
